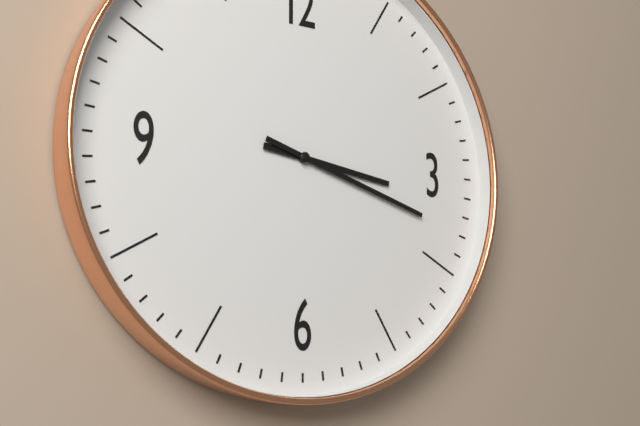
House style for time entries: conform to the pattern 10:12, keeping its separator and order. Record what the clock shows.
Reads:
3:18
